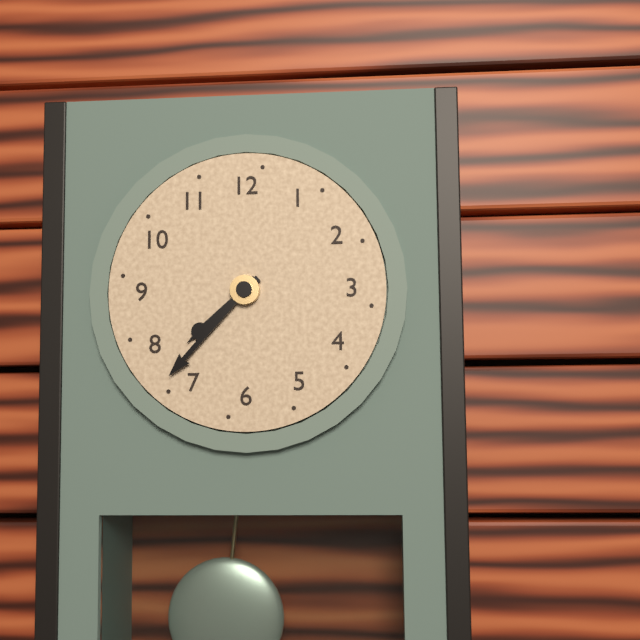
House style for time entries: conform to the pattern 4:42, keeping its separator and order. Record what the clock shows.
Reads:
7:37
